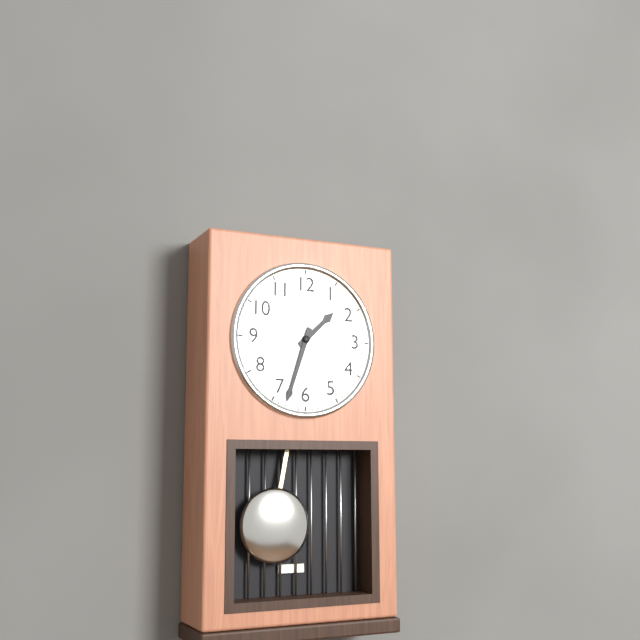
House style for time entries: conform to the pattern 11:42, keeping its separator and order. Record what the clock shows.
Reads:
1:33
